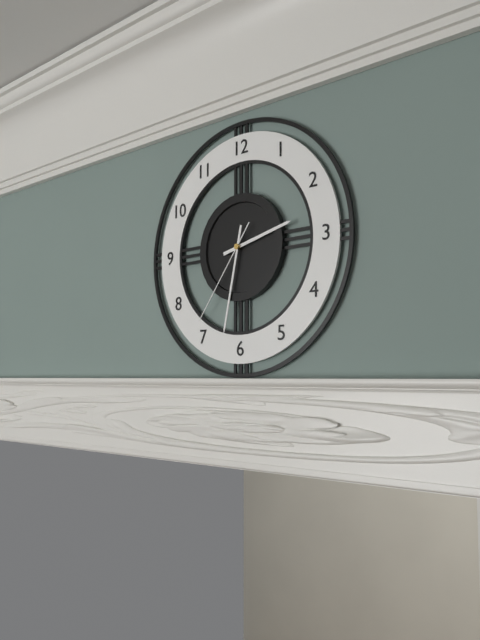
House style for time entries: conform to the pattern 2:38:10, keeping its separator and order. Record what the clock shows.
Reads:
2:32:36
